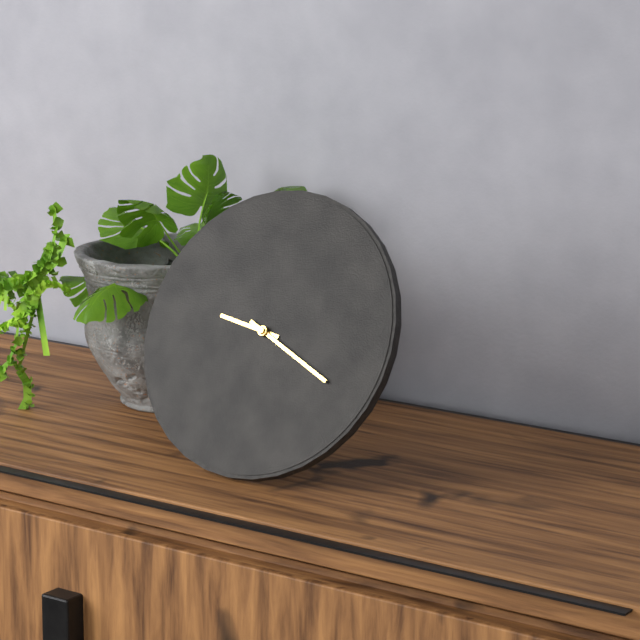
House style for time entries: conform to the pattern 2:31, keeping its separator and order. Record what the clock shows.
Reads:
9:19
